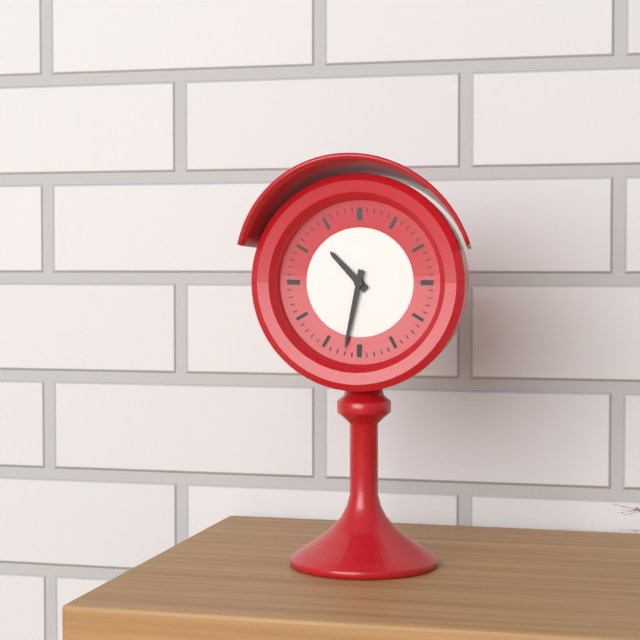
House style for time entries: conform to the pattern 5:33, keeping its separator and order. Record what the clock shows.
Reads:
10:32
